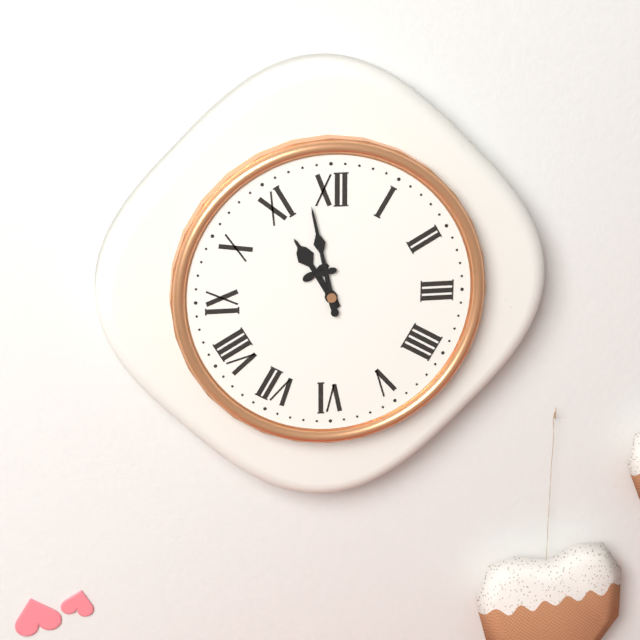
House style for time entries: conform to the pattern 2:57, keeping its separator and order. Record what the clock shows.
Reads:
10:58
